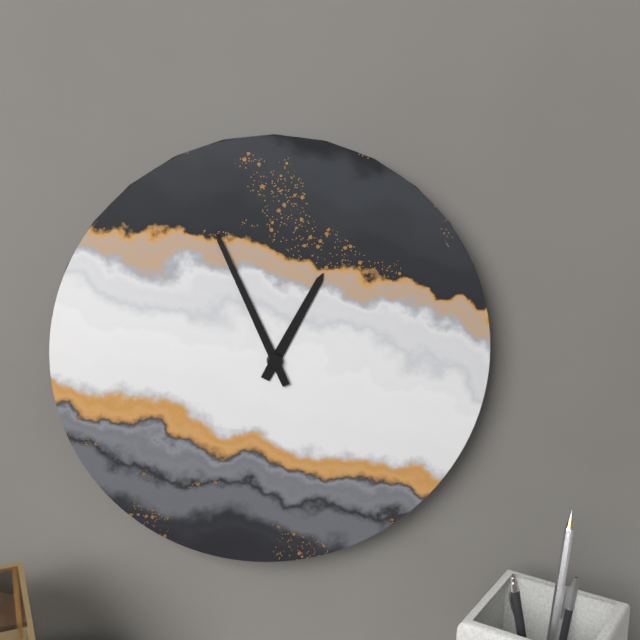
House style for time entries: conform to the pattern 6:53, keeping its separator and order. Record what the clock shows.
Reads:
12:56
